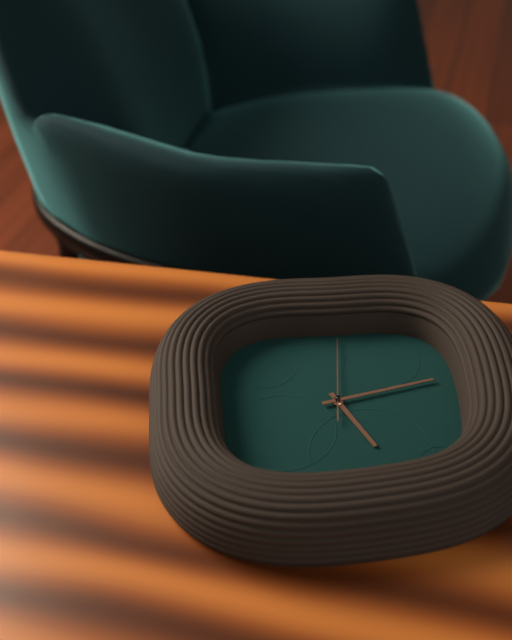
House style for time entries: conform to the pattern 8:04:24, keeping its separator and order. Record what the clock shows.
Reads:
5:13:01
